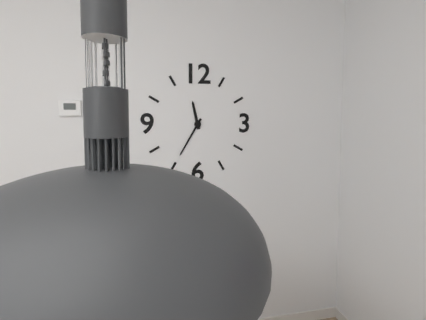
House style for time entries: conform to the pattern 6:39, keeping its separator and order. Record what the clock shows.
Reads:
11:35
